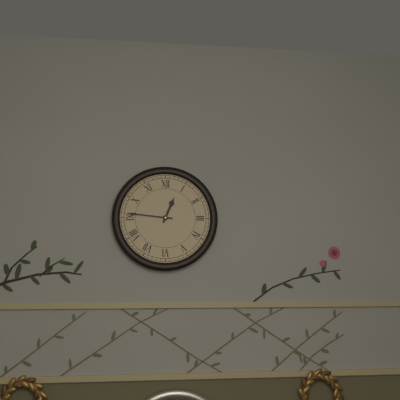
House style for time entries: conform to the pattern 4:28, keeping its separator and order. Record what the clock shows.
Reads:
12:46
